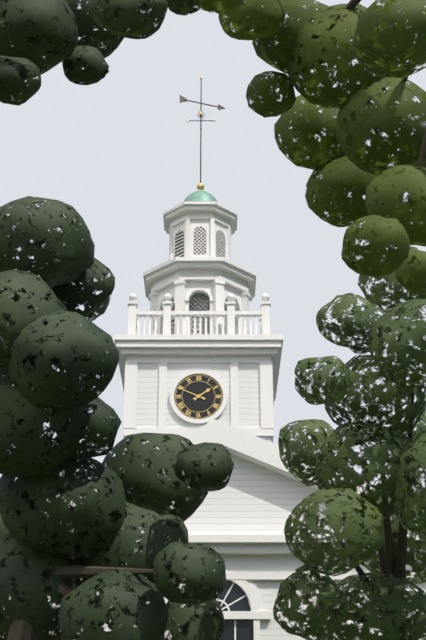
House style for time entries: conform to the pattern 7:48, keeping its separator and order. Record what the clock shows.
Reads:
1:49
